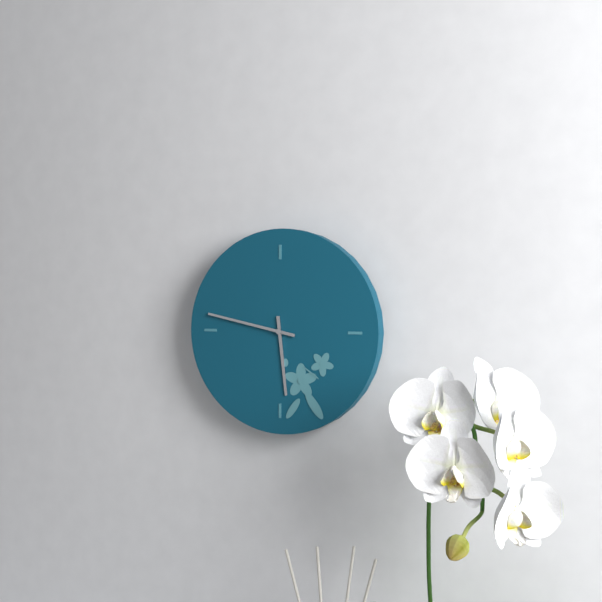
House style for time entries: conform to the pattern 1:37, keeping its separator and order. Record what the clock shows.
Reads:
5:47
